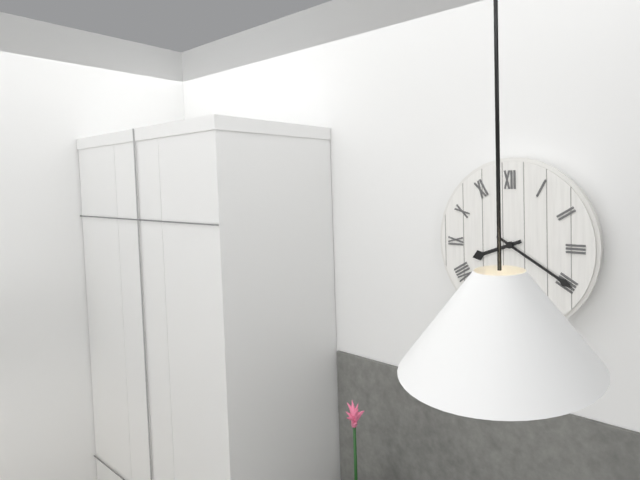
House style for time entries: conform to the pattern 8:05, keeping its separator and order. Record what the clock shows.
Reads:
8:20
